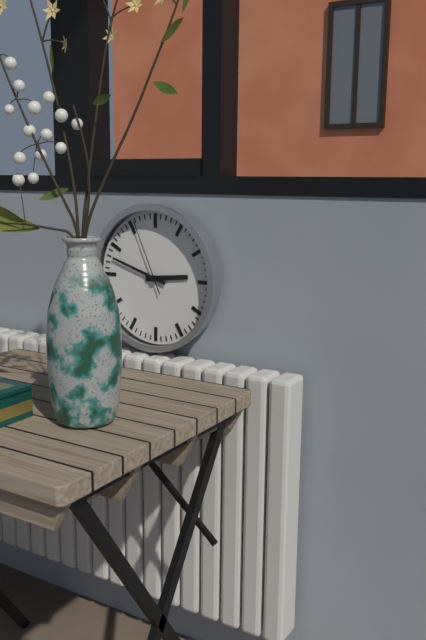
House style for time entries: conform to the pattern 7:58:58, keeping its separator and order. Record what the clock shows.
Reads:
2:48:56
